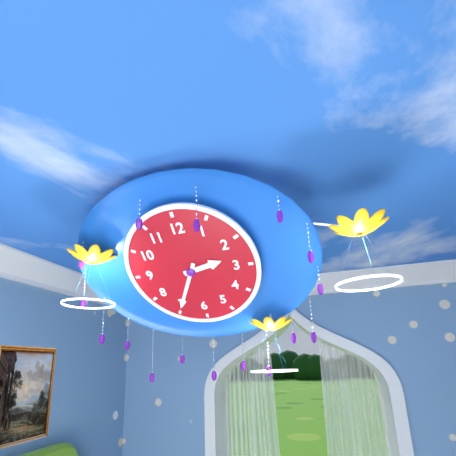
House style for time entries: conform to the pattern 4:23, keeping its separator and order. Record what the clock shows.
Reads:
2:35
